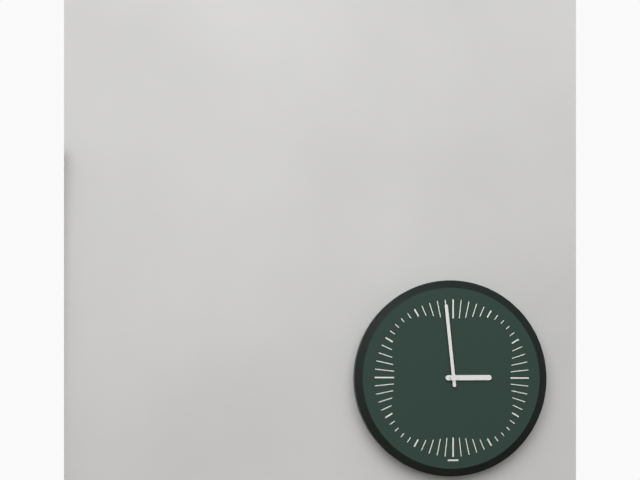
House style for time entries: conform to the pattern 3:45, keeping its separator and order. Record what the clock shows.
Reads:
2:59
